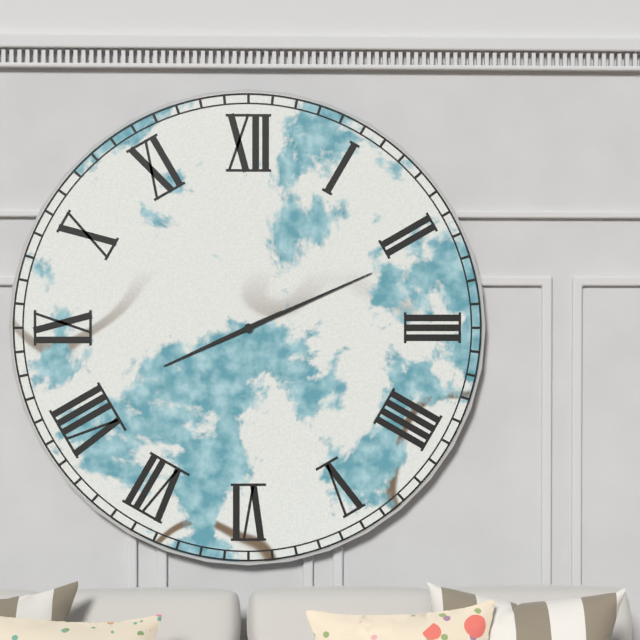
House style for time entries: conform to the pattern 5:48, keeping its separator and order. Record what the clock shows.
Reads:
8:11
